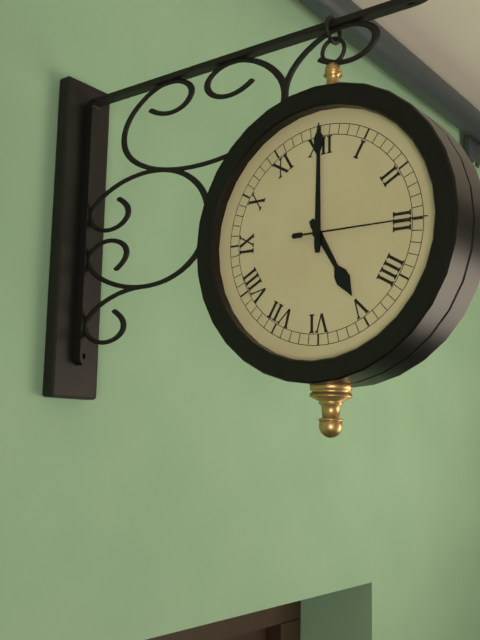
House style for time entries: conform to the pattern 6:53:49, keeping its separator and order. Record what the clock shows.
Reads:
5:00:15
